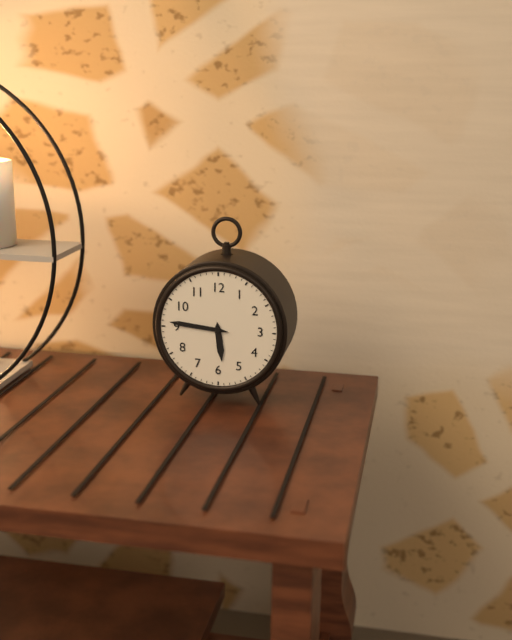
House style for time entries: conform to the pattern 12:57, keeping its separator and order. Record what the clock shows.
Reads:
5:46
